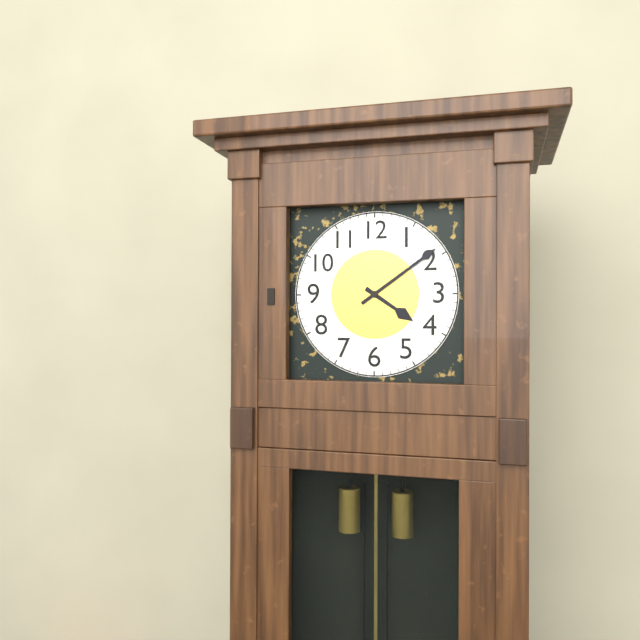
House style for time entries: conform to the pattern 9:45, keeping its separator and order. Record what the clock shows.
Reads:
4:09
